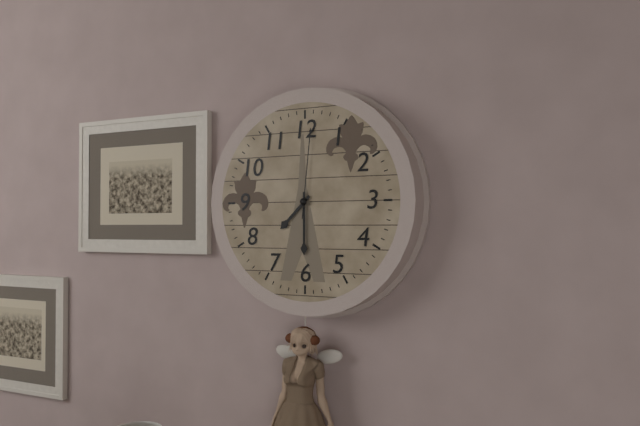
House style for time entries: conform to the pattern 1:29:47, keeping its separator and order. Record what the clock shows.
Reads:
7:30:01
